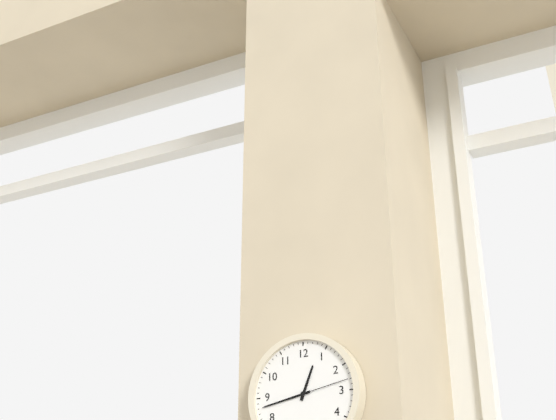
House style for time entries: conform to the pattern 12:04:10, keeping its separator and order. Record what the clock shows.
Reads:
12:43:13
